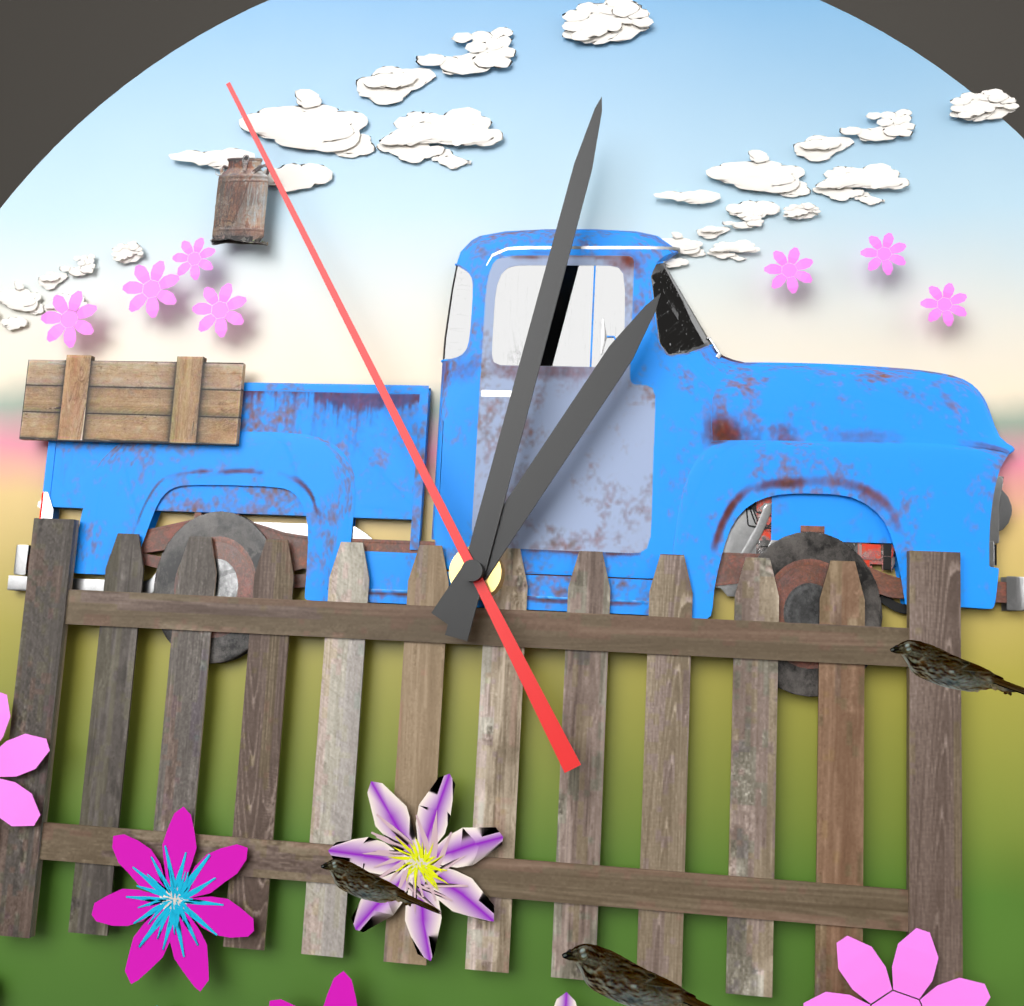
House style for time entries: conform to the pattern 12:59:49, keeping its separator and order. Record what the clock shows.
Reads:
1:02:55
